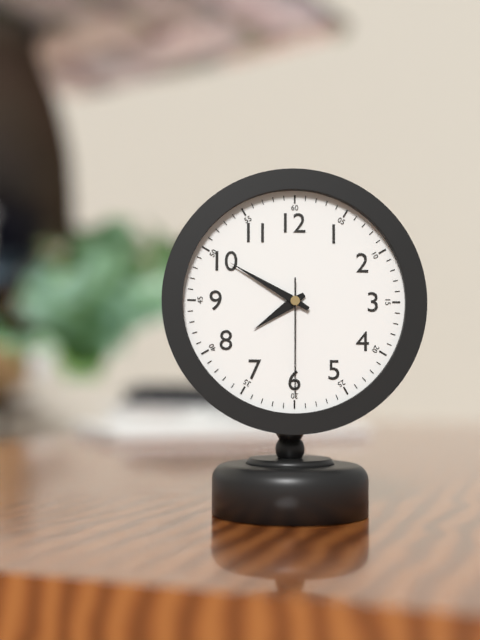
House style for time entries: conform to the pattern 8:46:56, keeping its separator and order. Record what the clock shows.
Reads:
7:50:30
